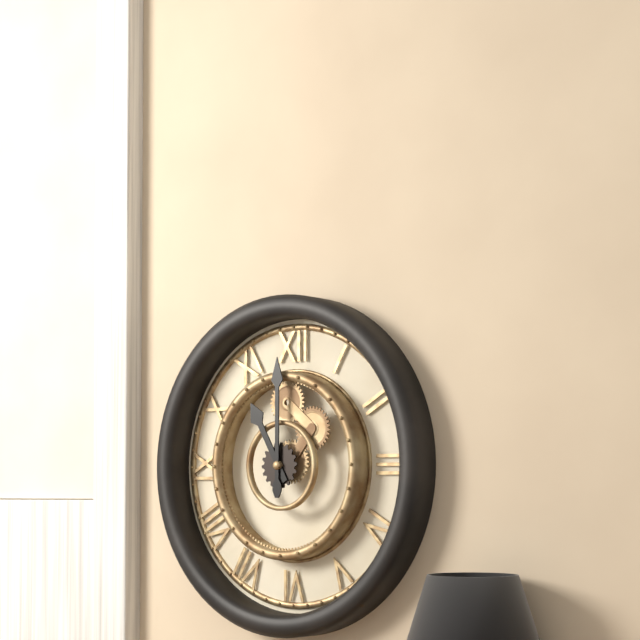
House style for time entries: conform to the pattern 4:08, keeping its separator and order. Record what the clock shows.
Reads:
11:00
